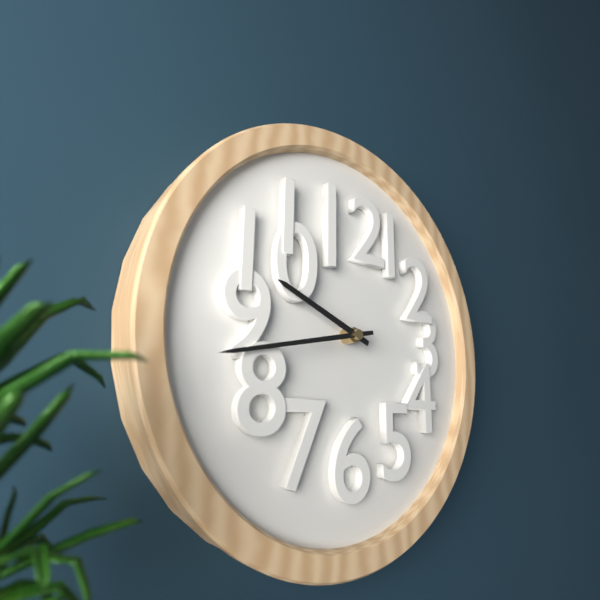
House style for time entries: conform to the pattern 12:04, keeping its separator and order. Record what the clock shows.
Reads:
9:43
